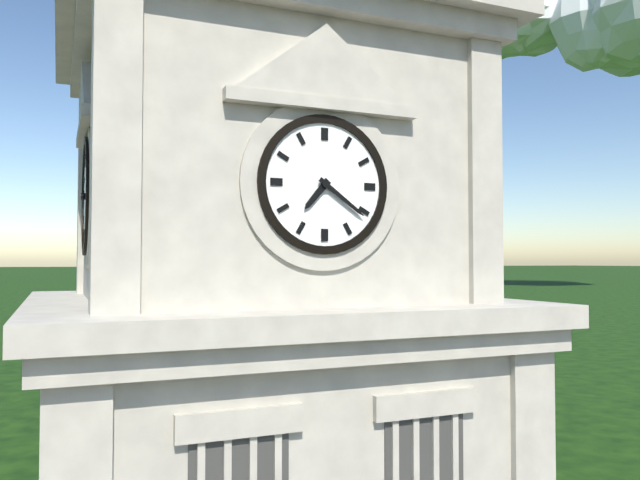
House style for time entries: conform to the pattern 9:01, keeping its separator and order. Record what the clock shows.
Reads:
7:21
